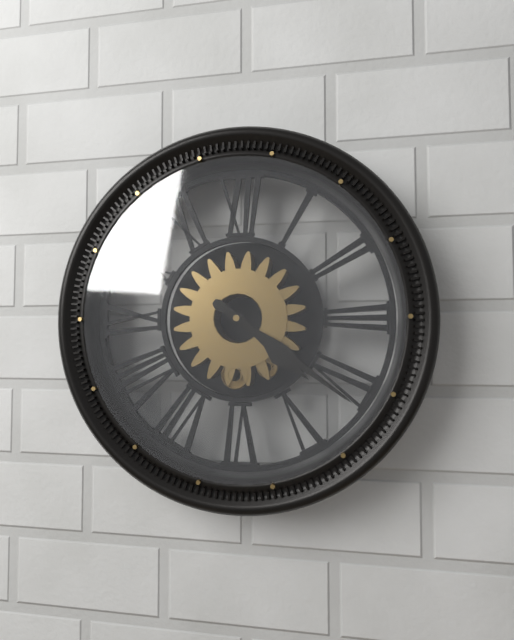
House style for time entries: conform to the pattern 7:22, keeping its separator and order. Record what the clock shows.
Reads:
4:21
